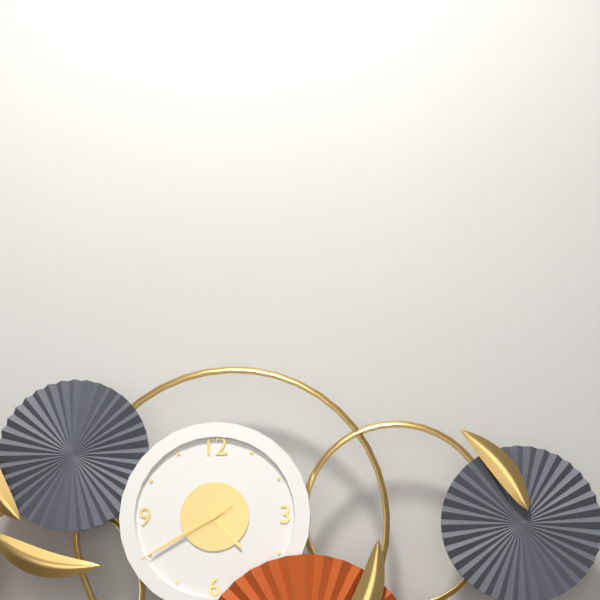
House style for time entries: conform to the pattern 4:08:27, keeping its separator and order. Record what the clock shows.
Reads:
4:40:40
